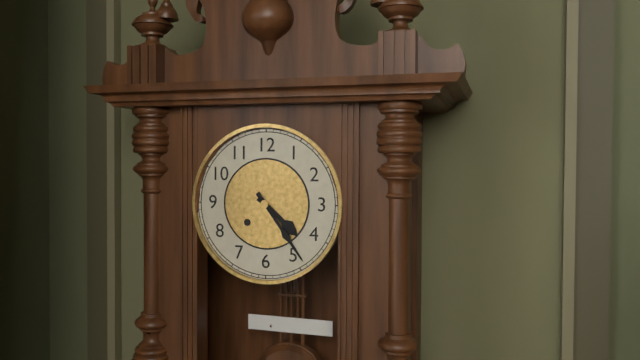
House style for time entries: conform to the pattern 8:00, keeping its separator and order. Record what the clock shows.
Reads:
4:24
